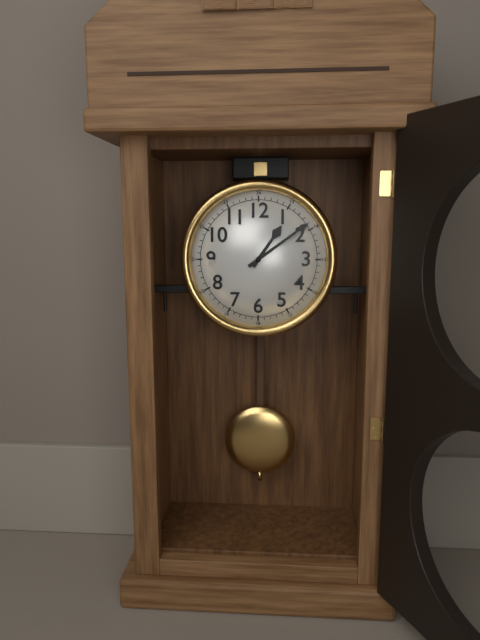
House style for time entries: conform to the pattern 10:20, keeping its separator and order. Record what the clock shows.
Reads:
1:09
